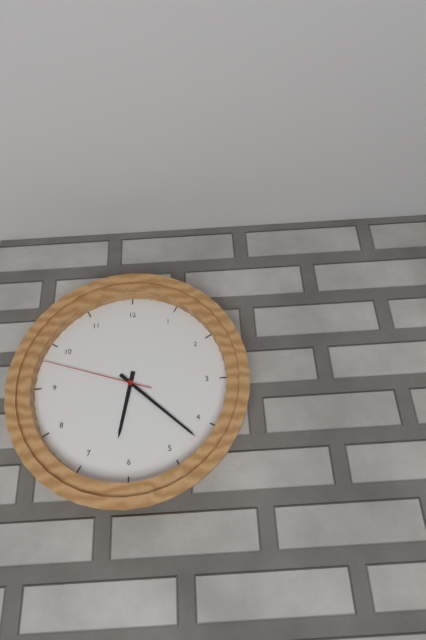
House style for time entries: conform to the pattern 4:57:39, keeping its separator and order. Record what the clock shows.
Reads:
6:22:48
